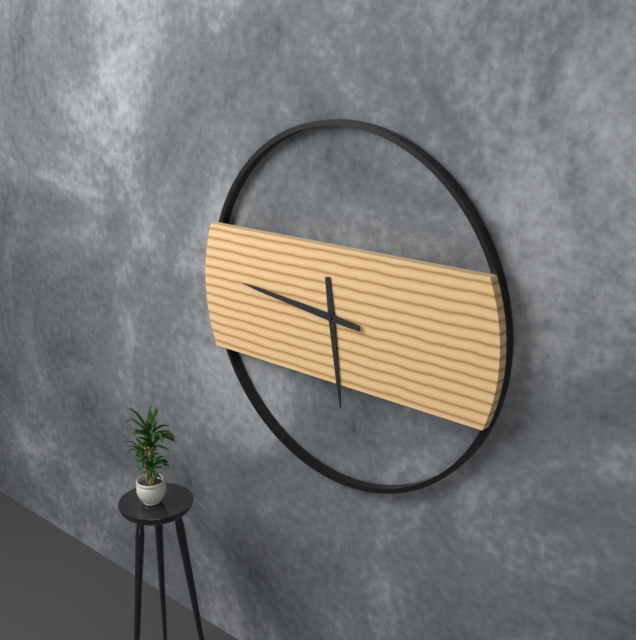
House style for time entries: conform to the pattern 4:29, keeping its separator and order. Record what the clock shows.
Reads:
5:46
